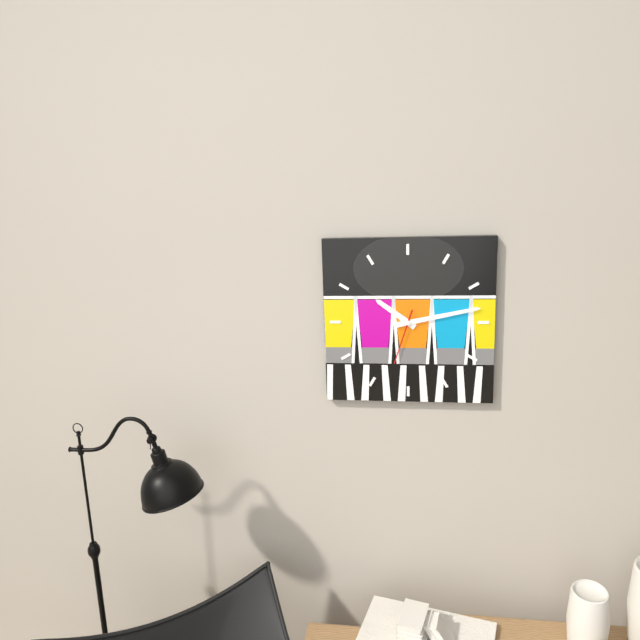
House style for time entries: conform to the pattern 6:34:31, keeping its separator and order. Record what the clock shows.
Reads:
10:13:33
